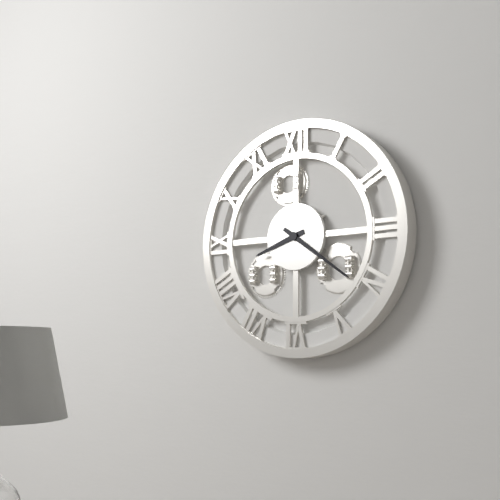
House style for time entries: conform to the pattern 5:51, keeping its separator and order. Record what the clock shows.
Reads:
8:21
